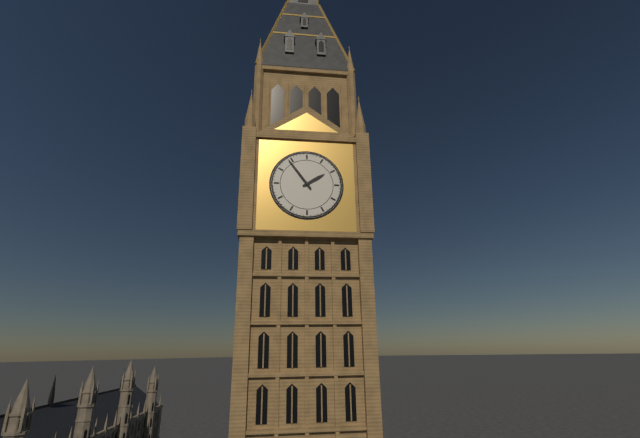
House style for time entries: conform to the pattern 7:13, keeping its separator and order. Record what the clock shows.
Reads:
1:54
